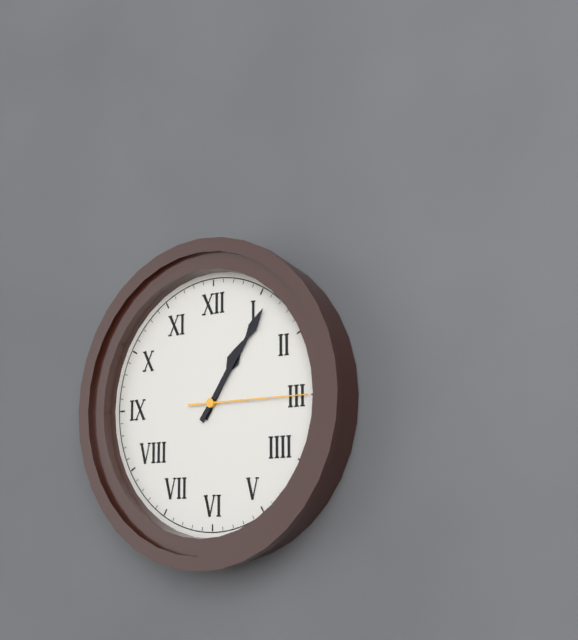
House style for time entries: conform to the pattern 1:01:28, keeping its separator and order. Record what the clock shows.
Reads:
1:06:15
